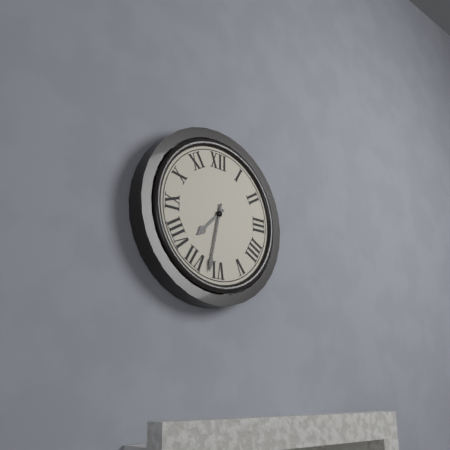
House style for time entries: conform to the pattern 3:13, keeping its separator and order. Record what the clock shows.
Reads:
7:32
